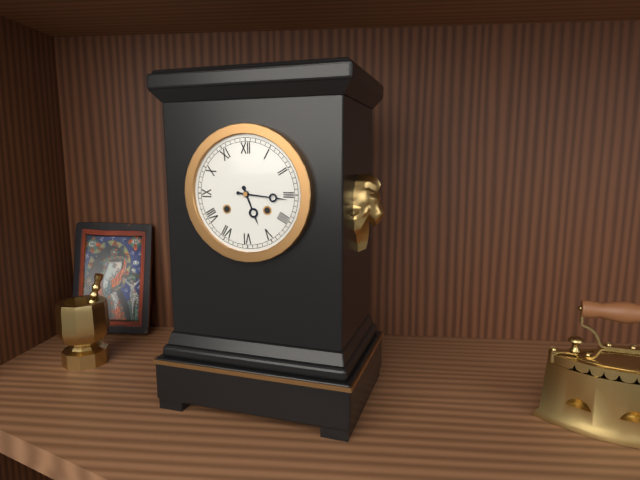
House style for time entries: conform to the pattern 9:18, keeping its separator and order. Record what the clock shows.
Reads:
5:16
